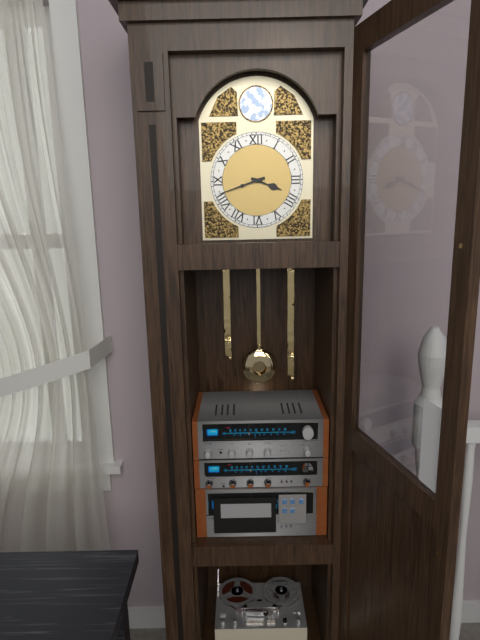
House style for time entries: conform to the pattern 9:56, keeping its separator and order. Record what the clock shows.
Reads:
3:42
